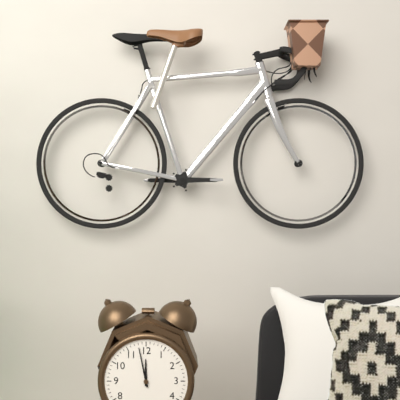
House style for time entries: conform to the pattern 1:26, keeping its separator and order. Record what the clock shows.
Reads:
11:58
